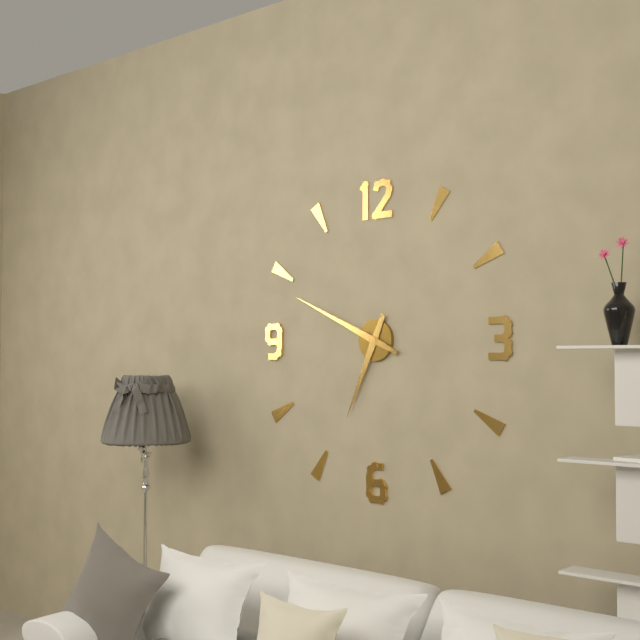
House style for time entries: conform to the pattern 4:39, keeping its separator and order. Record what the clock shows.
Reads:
6:49
